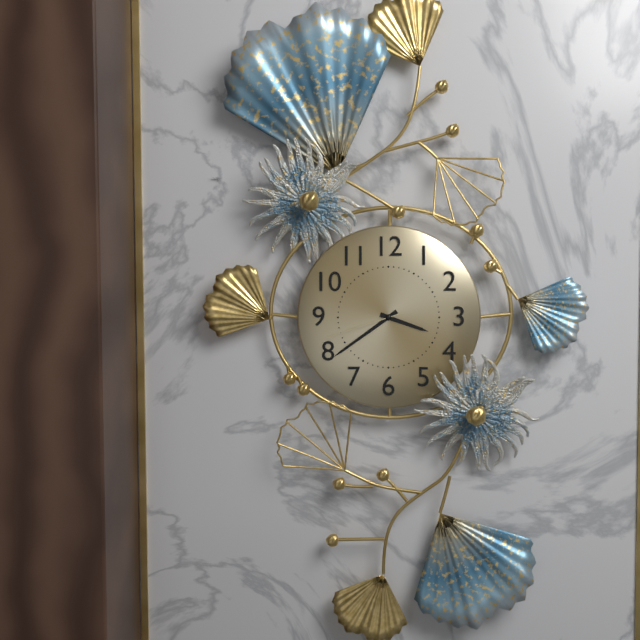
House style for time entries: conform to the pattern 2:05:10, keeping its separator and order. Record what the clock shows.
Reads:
3:39:42
